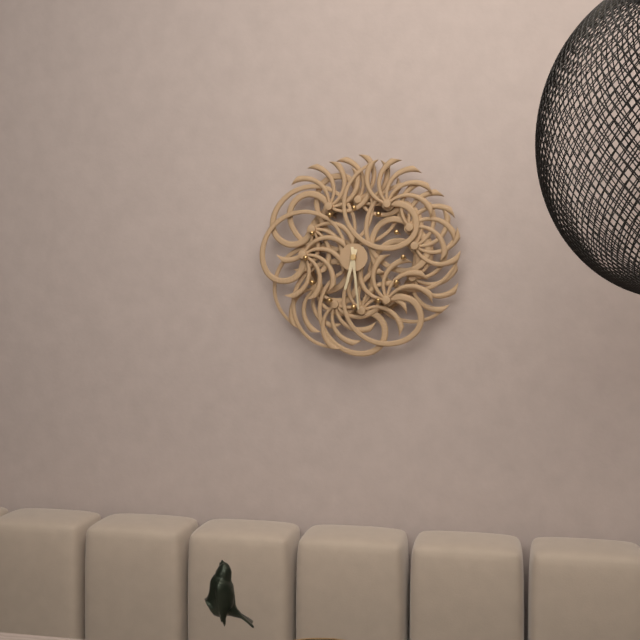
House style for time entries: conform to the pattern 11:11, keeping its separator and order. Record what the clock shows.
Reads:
6:29
